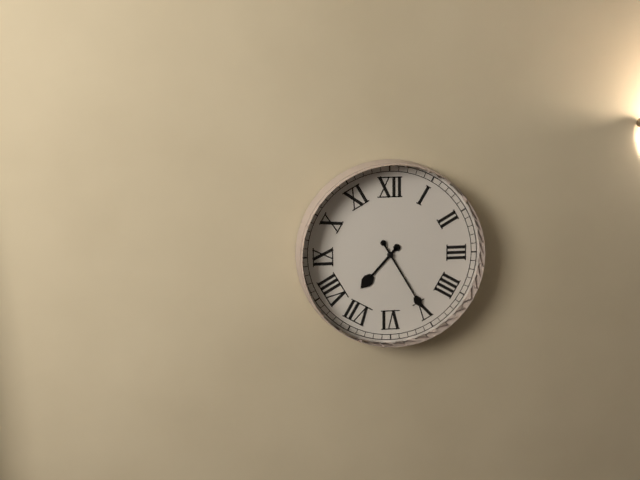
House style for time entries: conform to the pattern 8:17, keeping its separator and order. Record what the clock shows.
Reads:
7:25
